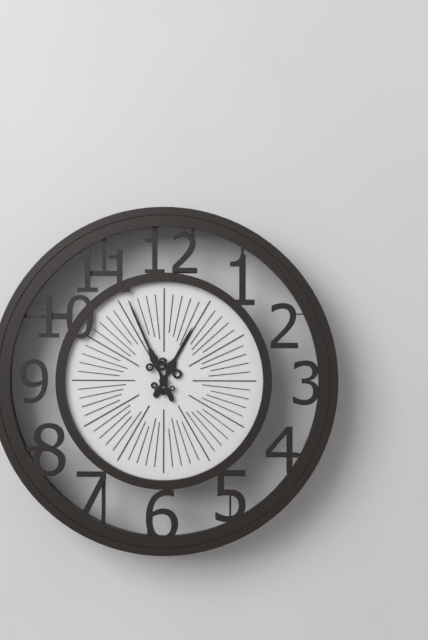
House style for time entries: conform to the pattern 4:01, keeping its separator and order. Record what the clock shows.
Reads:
12:56
